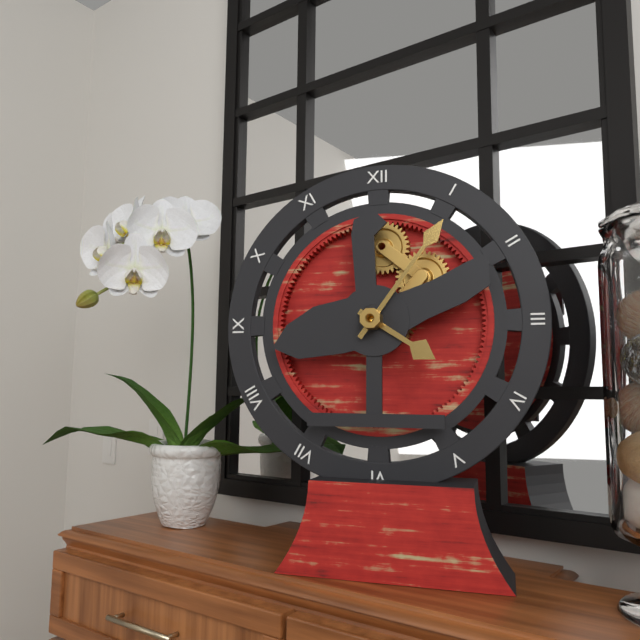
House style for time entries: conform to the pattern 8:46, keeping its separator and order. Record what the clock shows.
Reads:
4:06
